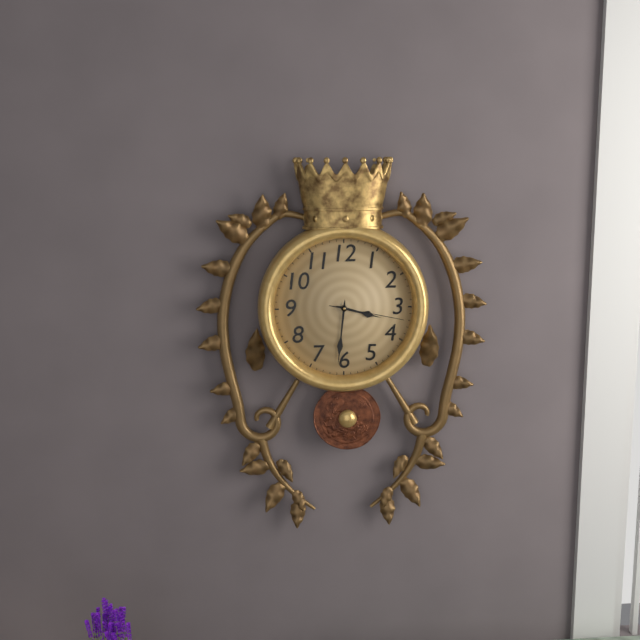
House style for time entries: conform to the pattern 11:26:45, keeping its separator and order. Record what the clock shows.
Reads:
3:31:17
